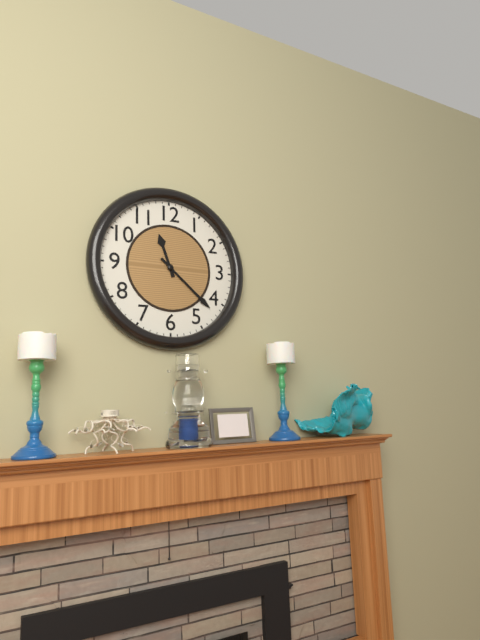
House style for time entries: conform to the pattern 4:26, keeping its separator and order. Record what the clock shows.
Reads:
11:22
